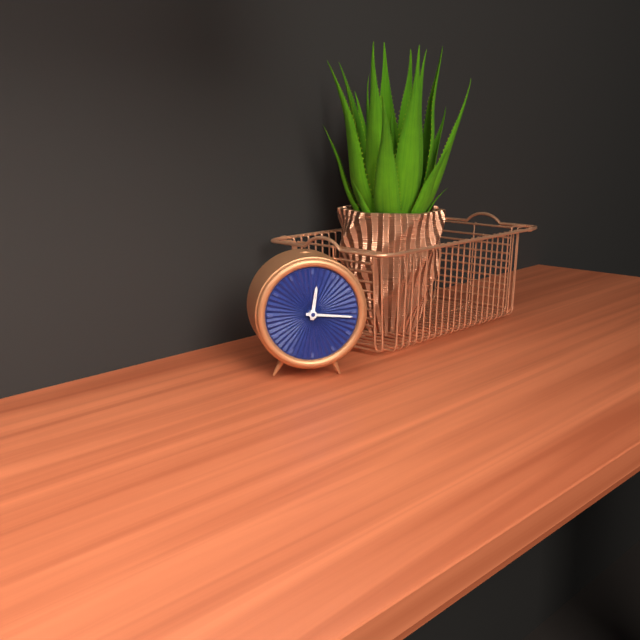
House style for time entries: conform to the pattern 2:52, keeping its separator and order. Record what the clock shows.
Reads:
12:16
